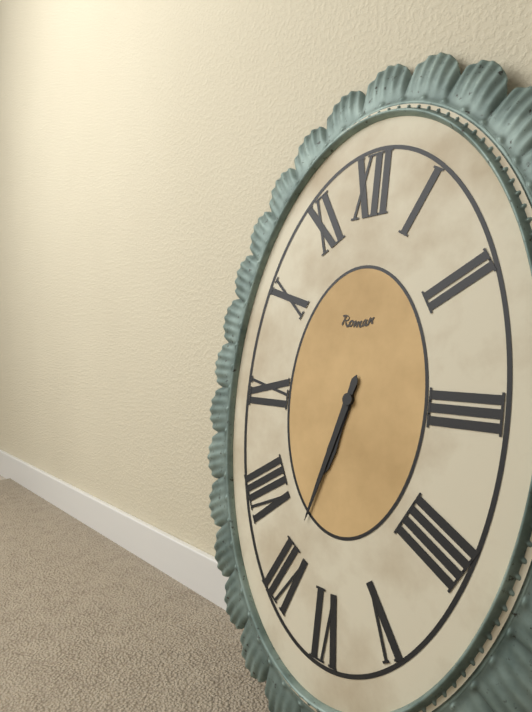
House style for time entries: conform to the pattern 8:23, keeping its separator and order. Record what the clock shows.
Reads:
6:33
